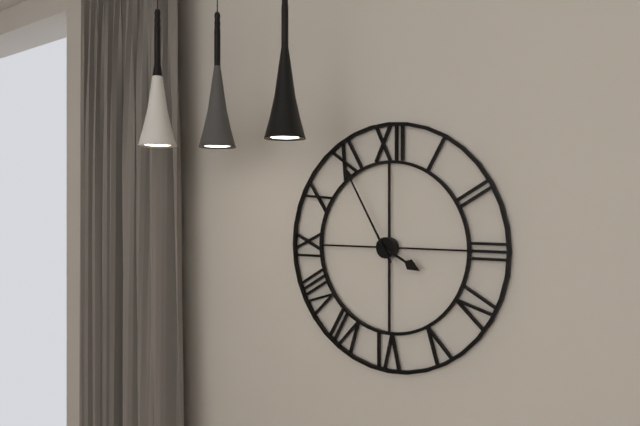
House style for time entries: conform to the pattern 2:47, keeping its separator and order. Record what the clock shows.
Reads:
3:55
